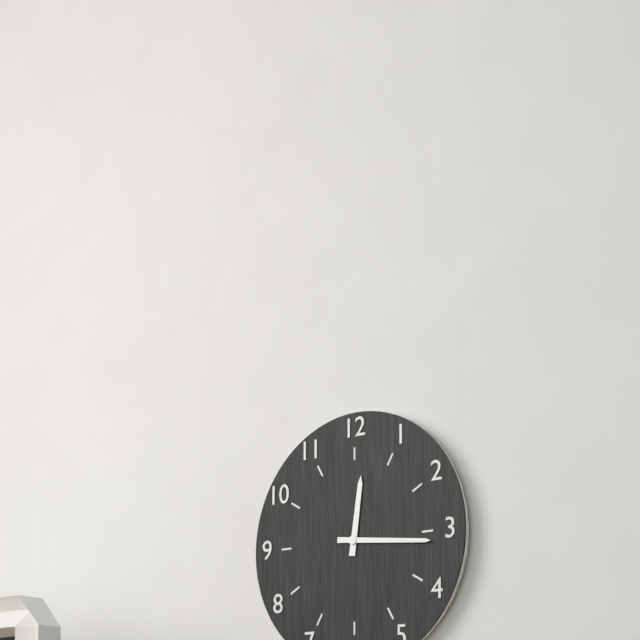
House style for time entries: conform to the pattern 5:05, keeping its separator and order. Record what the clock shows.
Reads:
12:16
